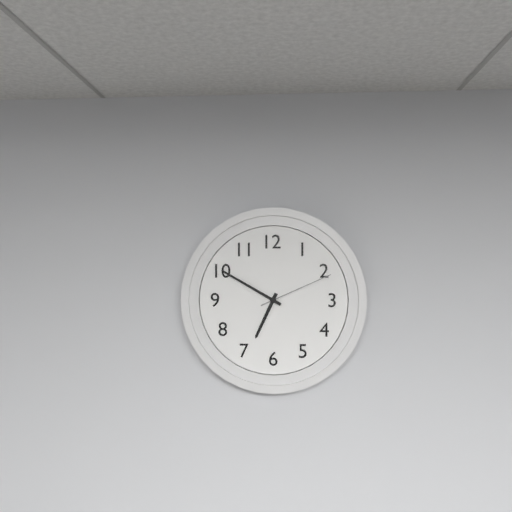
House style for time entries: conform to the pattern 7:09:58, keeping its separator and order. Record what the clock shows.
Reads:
6:50:11
